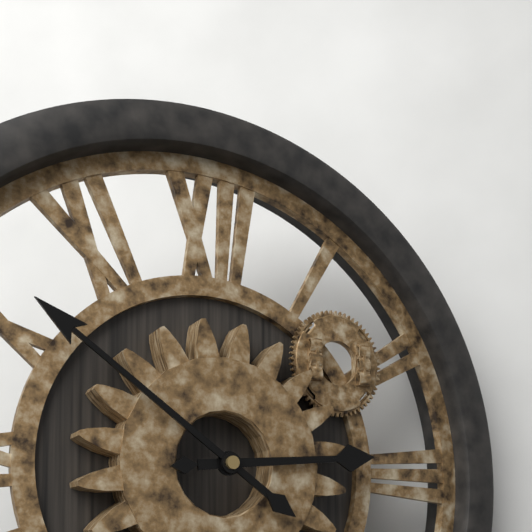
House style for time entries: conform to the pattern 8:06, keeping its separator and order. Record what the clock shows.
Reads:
2:51
